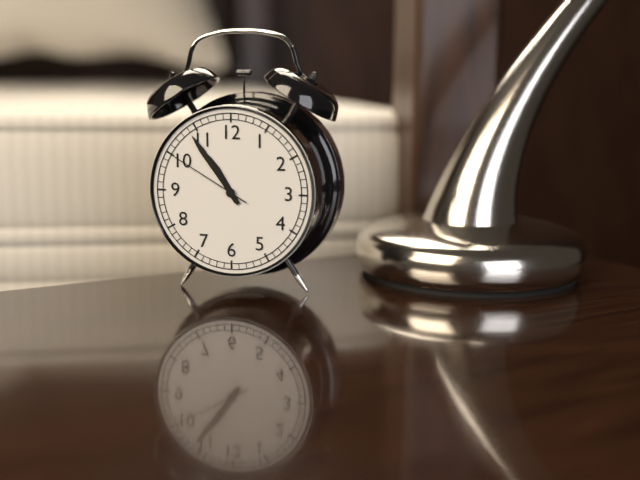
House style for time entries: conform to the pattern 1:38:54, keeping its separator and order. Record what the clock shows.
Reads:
10:54:50
